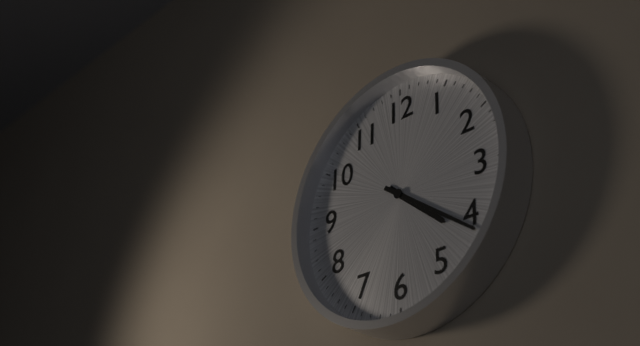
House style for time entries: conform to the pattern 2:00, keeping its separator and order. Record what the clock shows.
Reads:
4:21
